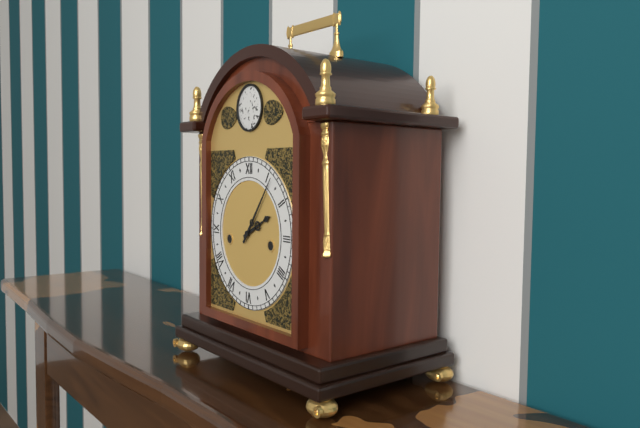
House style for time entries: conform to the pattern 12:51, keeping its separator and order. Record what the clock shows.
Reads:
2:06
